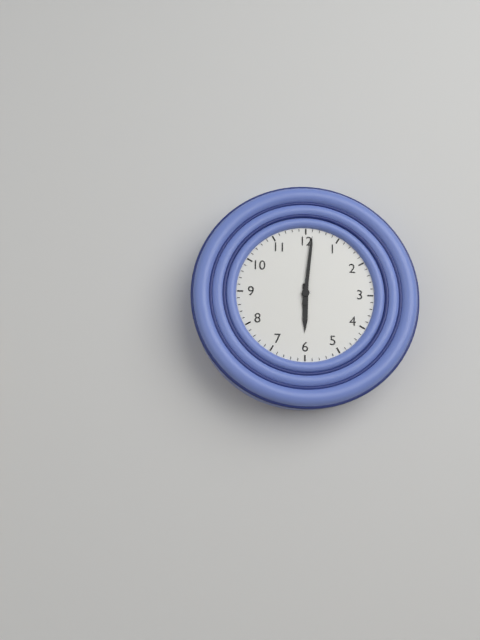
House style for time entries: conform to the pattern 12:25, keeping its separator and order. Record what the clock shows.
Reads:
6:01
